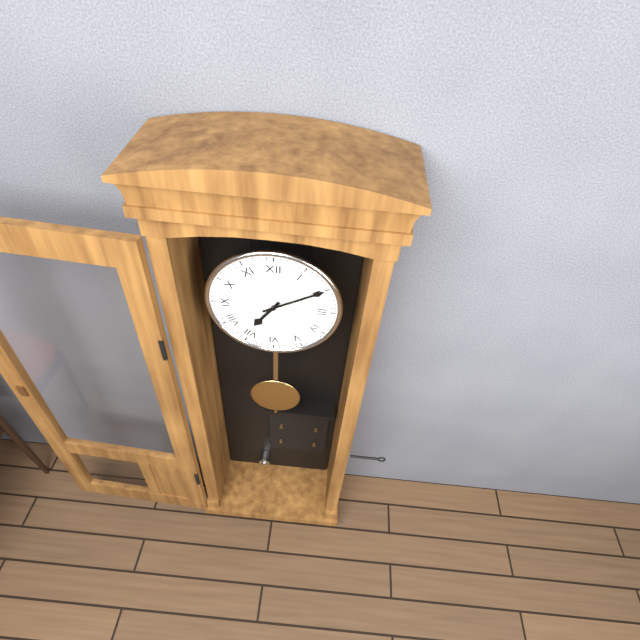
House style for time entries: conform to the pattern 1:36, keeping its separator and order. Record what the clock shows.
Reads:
7:10
